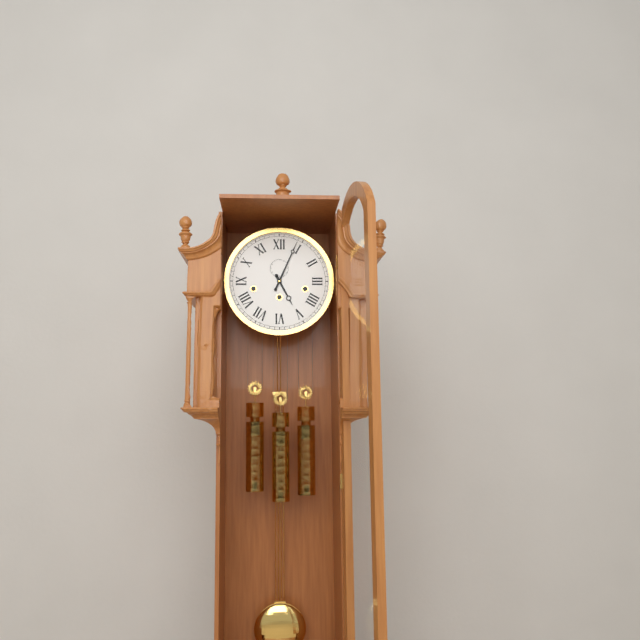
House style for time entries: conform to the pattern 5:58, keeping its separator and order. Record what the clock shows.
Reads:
5:04
